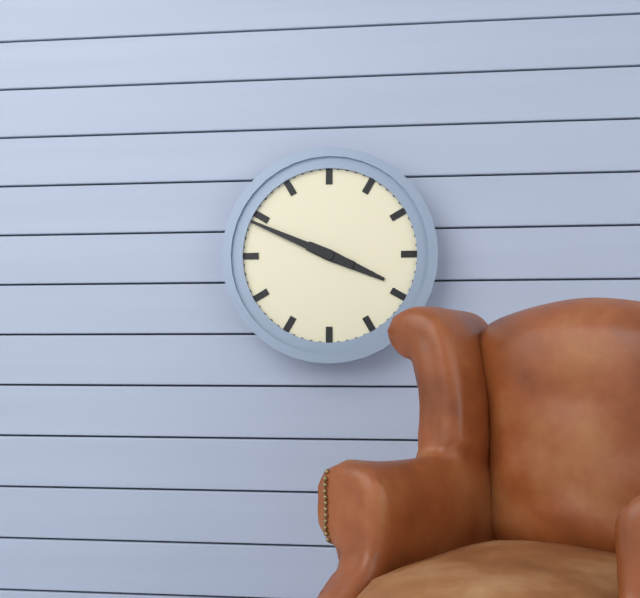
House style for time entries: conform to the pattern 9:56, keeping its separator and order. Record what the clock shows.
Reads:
3:49
